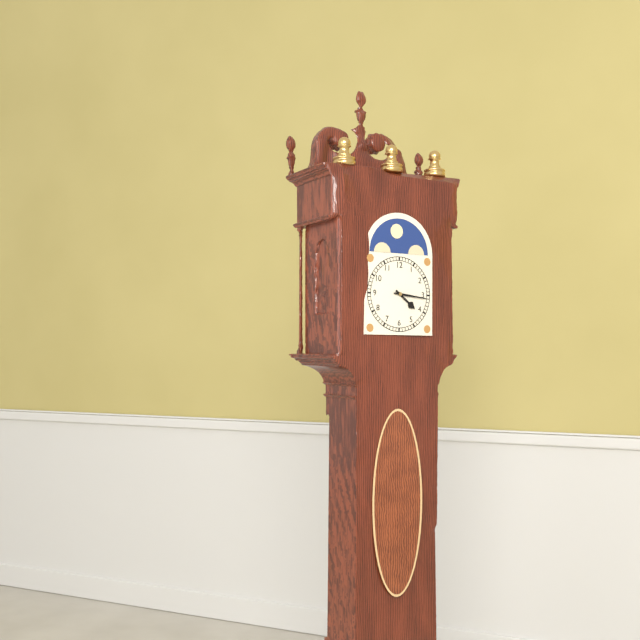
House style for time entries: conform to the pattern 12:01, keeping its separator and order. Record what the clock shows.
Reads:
4:16
